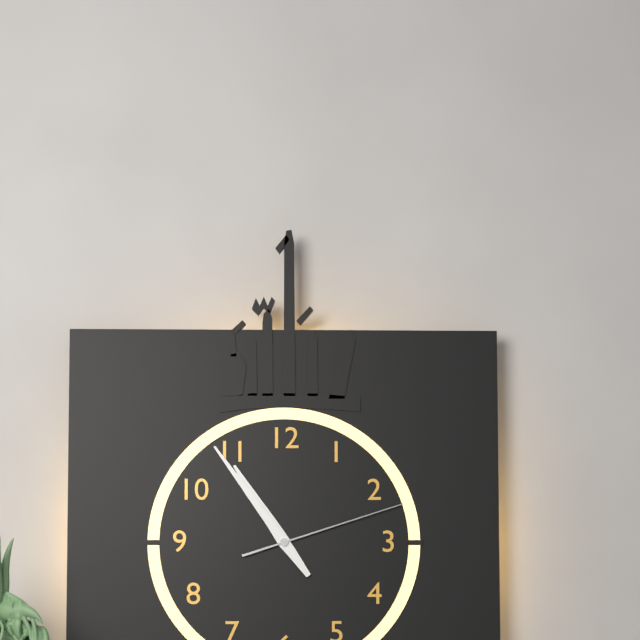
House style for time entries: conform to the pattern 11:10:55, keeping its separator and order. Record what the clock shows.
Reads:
10:54:12
